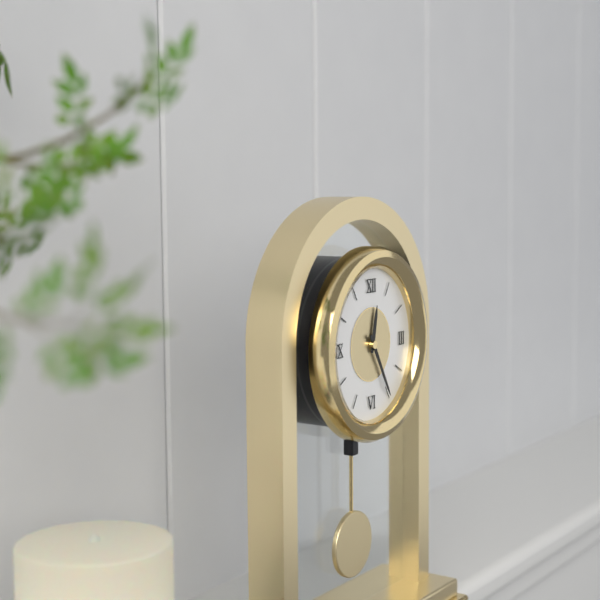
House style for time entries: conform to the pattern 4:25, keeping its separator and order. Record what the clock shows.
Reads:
12:25
